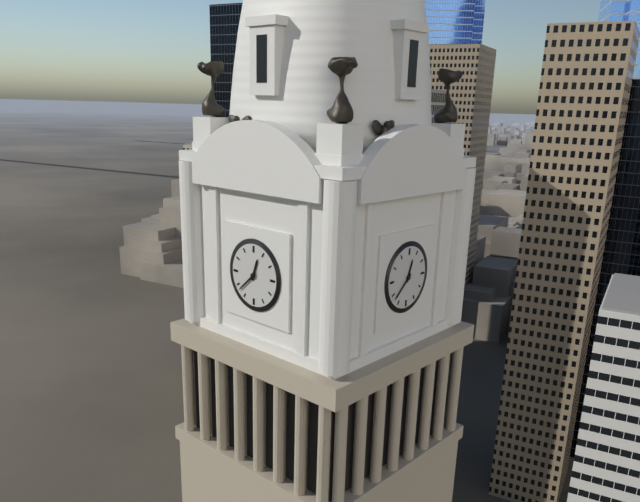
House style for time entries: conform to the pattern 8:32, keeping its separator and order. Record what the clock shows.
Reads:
12:38
